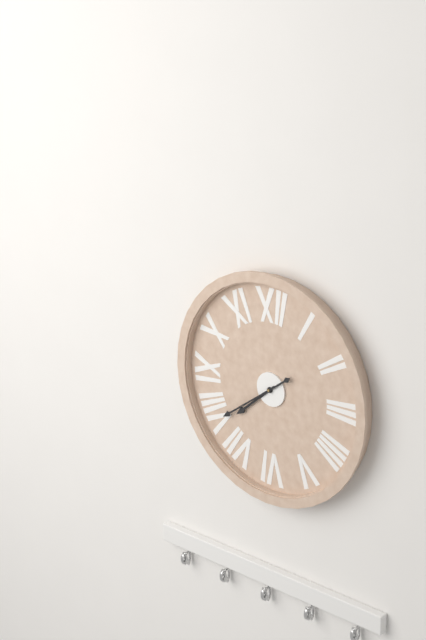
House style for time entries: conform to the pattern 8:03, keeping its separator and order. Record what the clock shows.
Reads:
7:39
